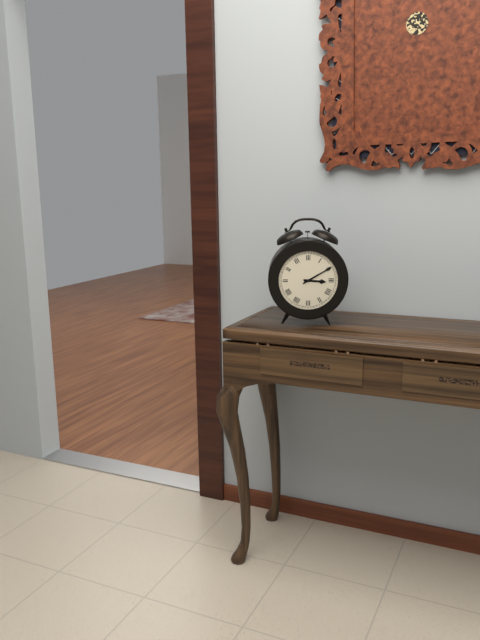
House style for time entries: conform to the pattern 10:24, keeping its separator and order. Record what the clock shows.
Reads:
3:10
